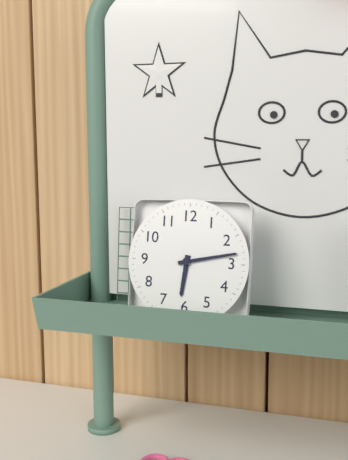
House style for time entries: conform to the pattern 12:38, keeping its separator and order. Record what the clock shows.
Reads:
6:13
